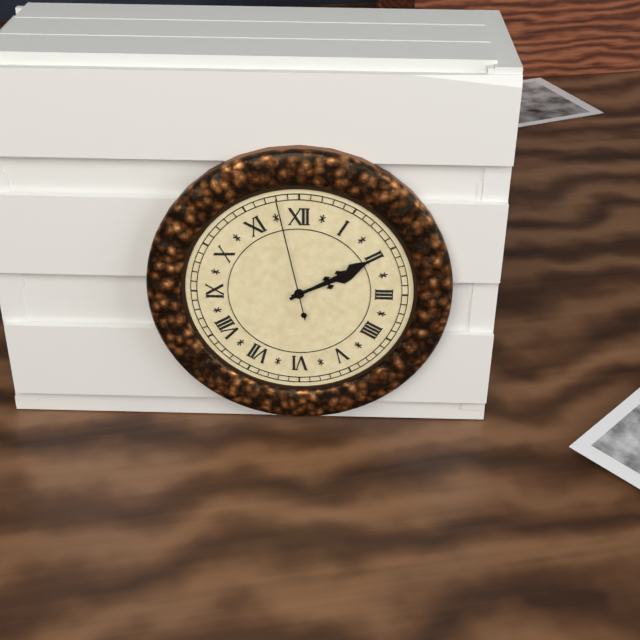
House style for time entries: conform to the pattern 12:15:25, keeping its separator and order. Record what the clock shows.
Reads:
2:10:58
